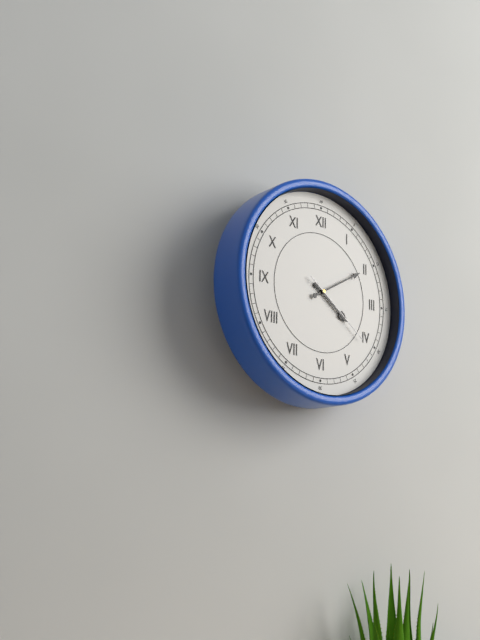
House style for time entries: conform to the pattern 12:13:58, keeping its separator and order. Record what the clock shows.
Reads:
4:10:21
